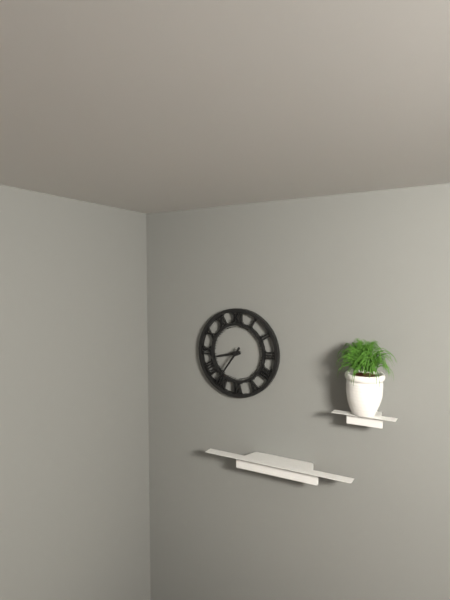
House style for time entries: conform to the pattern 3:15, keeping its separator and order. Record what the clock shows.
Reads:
8:36
